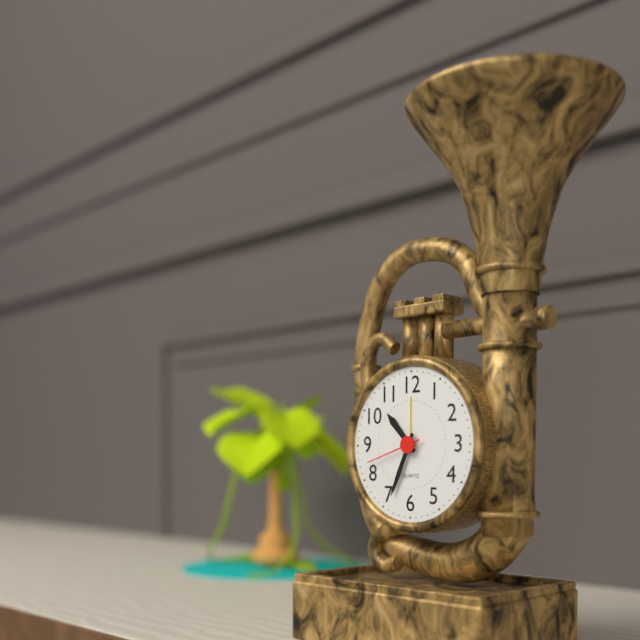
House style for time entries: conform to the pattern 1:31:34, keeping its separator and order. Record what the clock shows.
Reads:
10:34:42
